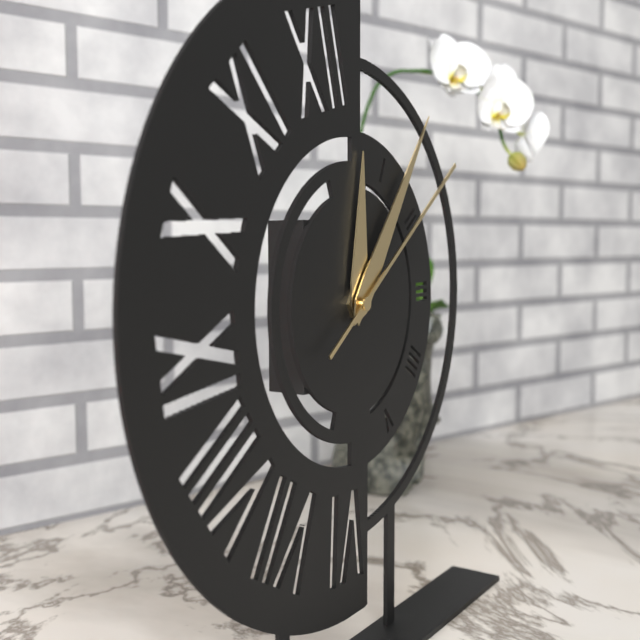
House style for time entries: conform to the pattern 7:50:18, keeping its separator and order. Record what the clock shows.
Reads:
12:06:09
